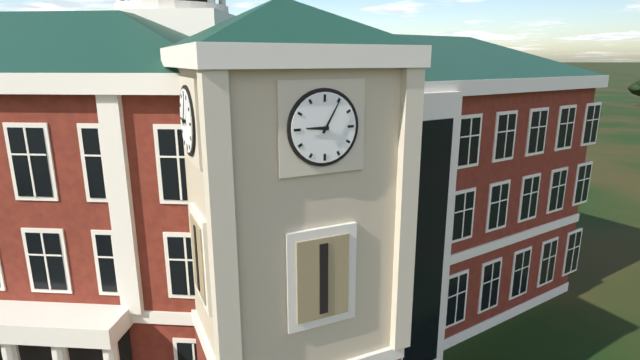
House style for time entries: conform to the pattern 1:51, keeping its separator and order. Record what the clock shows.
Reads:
9:05
